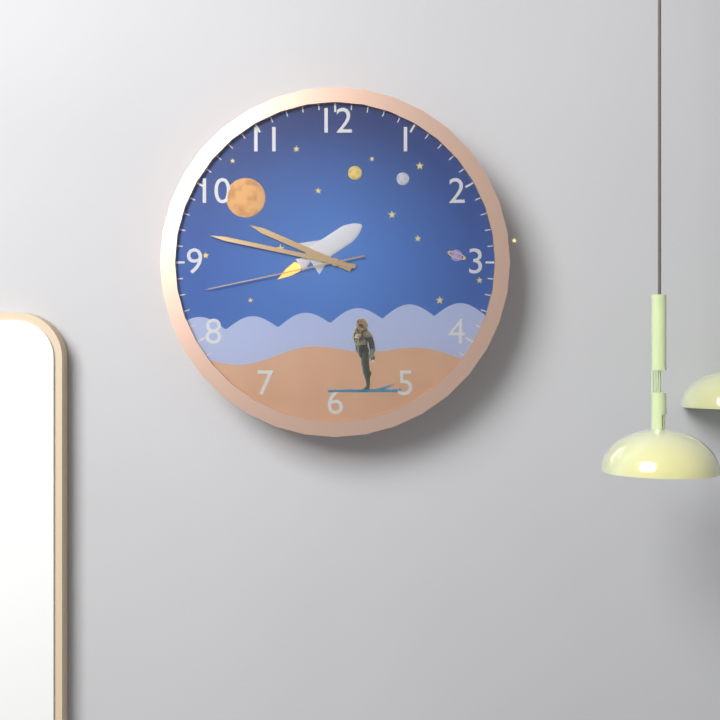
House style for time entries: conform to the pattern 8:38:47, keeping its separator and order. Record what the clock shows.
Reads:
9:47:43
